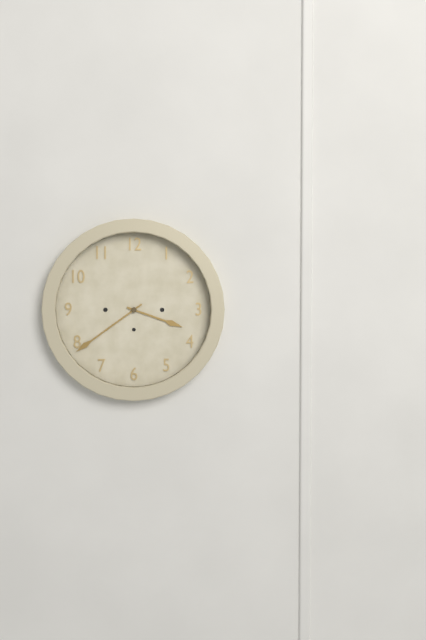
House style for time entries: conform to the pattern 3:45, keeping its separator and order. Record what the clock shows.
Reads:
3:39
